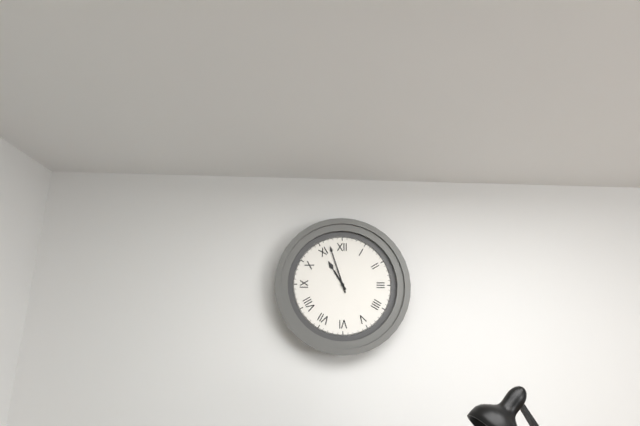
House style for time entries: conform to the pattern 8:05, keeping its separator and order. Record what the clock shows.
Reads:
10:57
